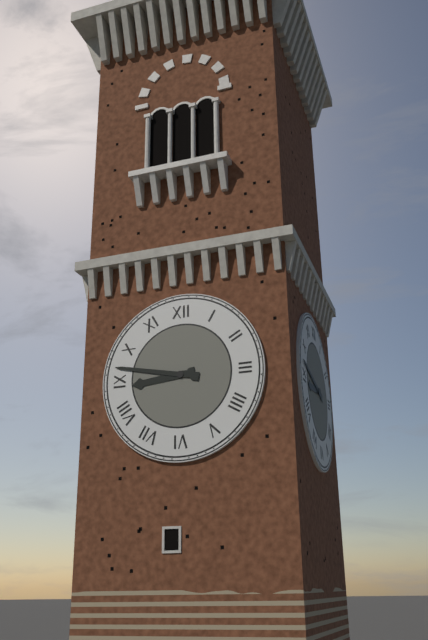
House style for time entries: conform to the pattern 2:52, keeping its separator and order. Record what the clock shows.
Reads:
8:47
